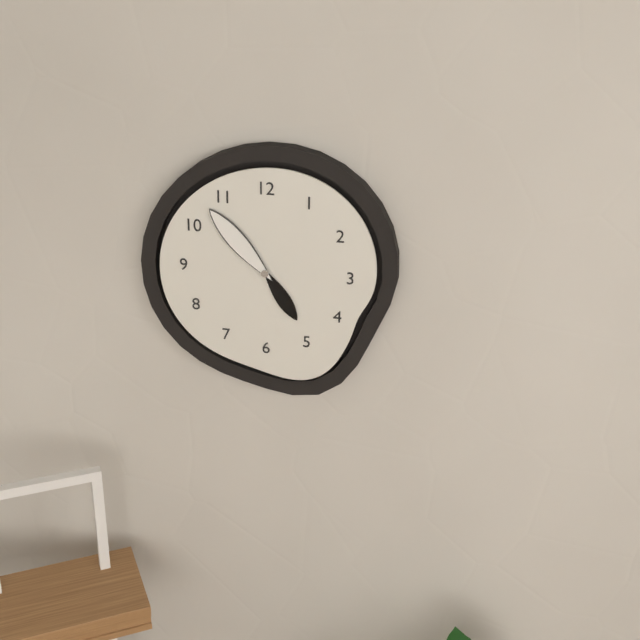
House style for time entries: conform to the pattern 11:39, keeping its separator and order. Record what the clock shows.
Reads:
4:53
